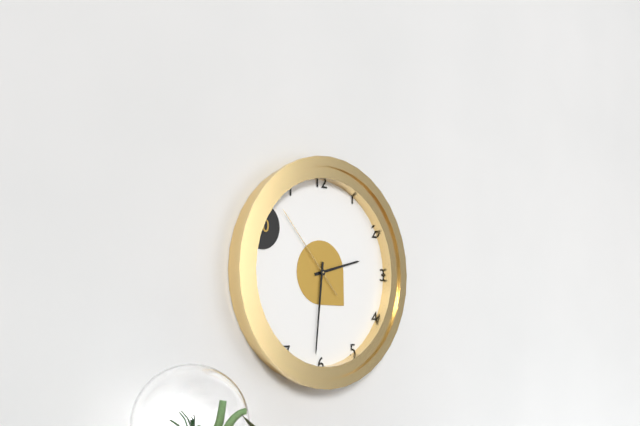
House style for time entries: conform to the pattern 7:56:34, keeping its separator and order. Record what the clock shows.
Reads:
2:31:53
